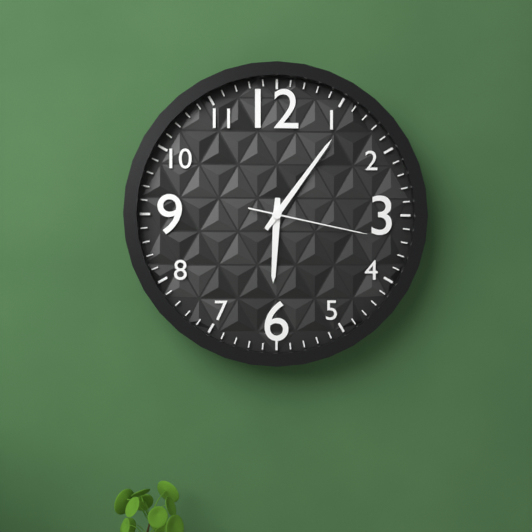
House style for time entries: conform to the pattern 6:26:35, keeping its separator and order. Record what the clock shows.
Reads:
6:06:17
